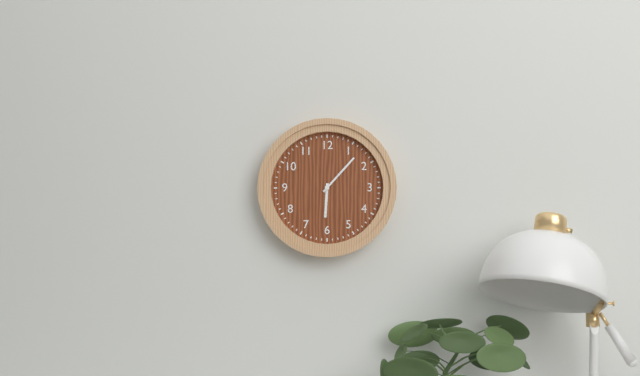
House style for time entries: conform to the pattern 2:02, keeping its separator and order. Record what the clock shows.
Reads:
6:07
